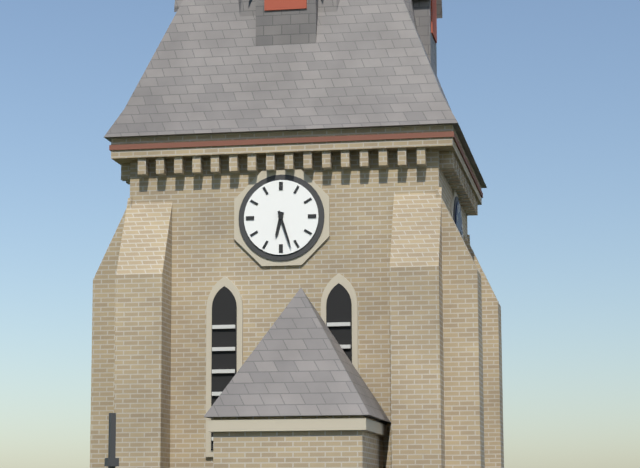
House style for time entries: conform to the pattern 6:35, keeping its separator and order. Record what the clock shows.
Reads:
6:27
